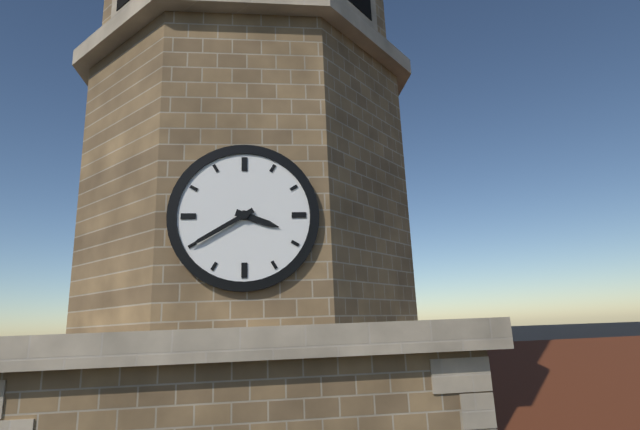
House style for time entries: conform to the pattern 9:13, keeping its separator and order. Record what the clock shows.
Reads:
3:40
